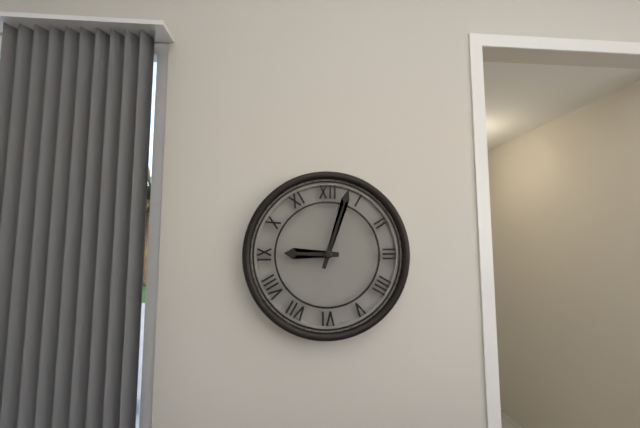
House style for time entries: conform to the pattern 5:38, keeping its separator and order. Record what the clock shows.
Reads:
9:03
